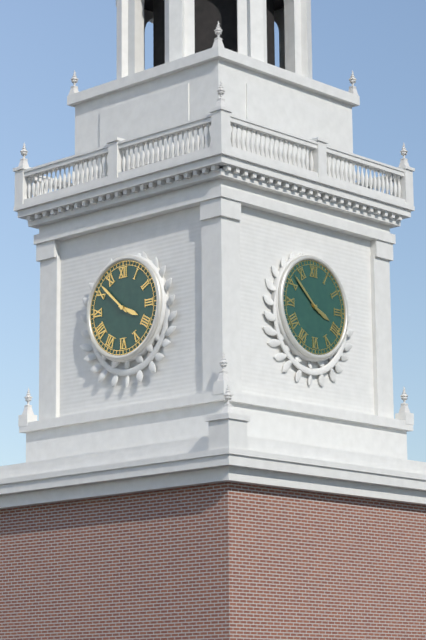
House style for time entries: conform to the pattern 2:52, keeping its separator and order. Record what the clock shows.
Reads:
3:52
